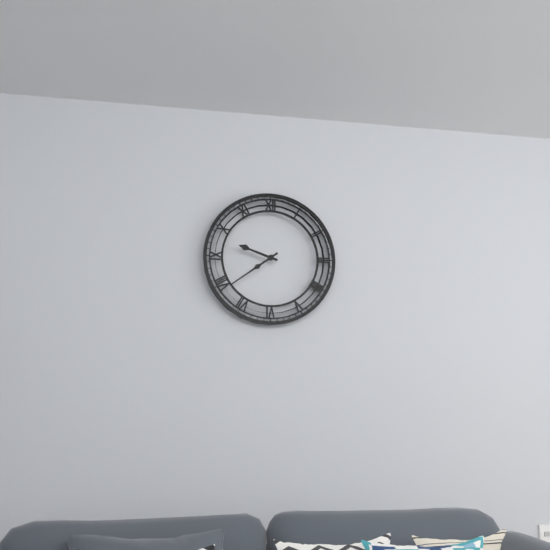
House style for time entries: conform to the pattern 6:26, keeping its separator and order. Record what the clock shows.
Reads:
9:39
